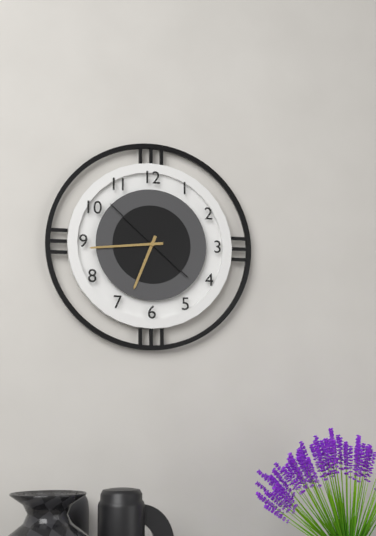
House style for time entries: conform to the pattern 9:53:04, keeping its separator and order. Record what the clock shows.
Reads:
6:44:52
